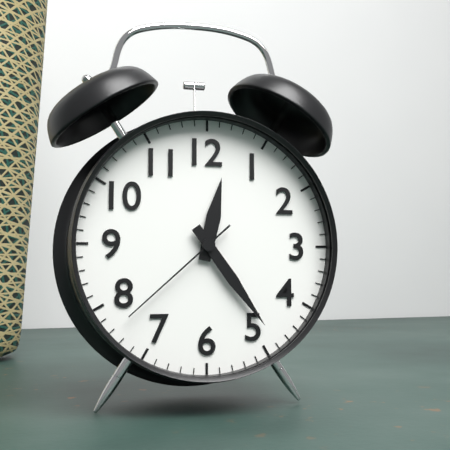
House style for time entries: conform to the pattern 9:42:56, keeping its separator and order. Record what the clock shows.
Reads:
12:24:38
